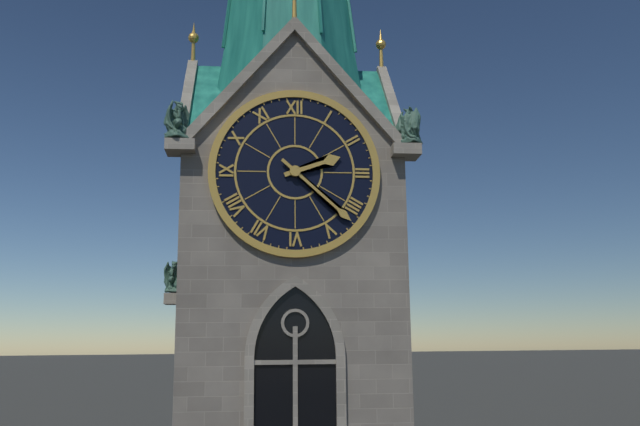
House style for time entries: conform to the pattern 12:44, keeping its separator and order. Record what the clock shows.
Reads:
2:22
